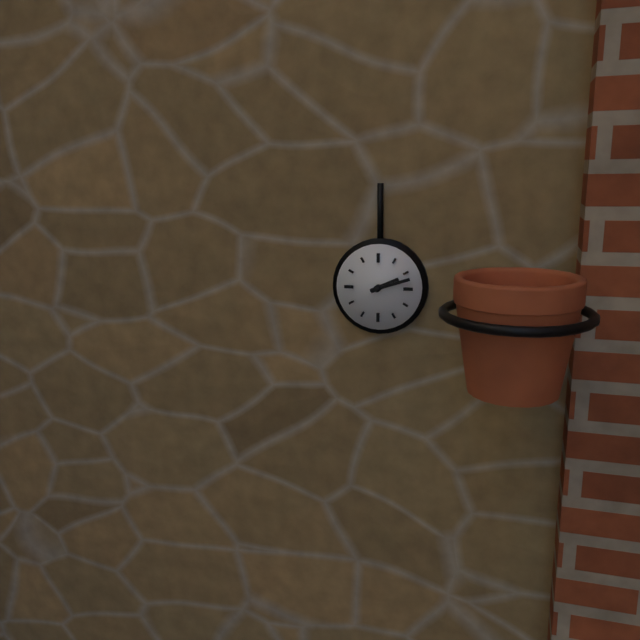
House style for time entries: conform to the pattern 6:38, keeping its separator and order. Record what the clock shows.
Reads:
2:12
